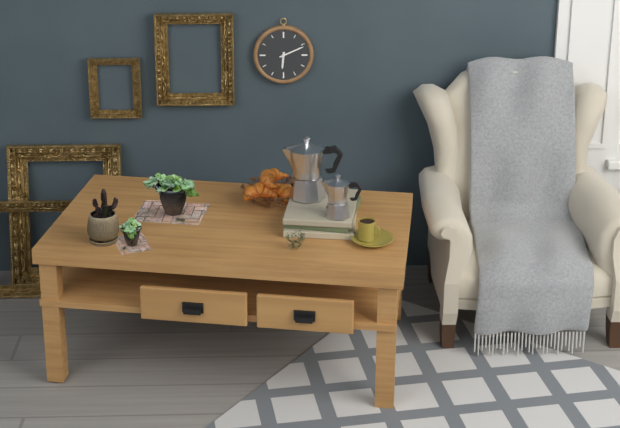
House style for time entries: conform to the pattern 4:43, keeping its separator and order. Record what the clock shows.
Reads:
6:11
